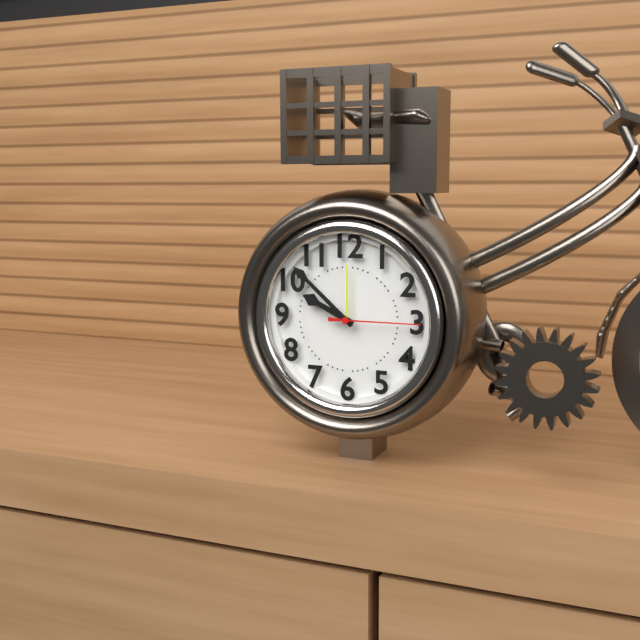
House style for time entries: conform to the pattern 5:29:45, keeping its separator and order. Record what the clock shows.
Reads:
9:52:15
